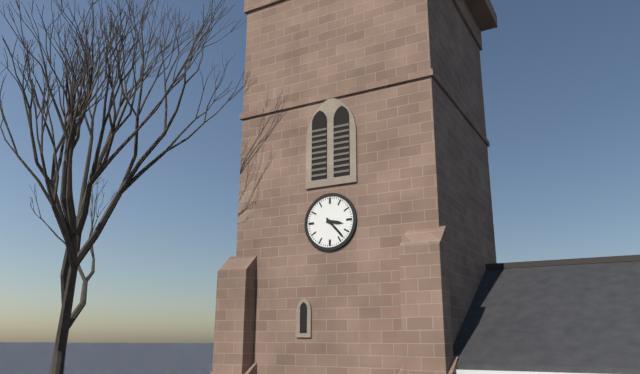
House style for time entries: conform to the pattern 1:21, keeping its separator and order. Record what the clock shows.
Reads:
3:23
